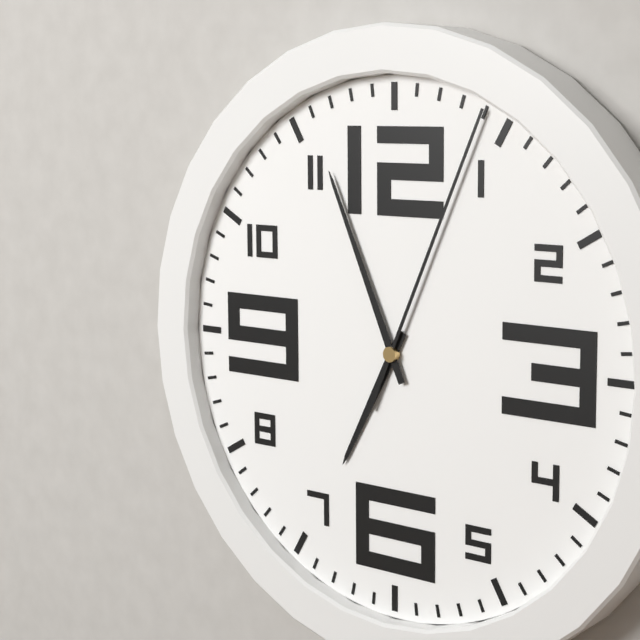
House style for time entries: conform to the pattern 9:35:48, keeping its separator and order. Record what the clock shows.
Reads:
6:56:04
